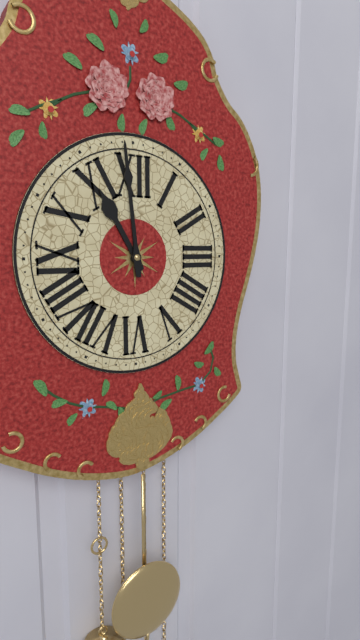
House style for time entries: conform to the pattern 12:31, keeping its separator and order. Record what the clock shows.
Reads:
10:59
